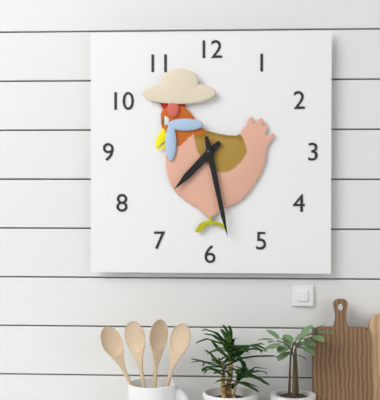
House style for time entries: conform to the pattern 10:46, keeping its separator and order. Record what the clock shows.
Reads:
7:28
